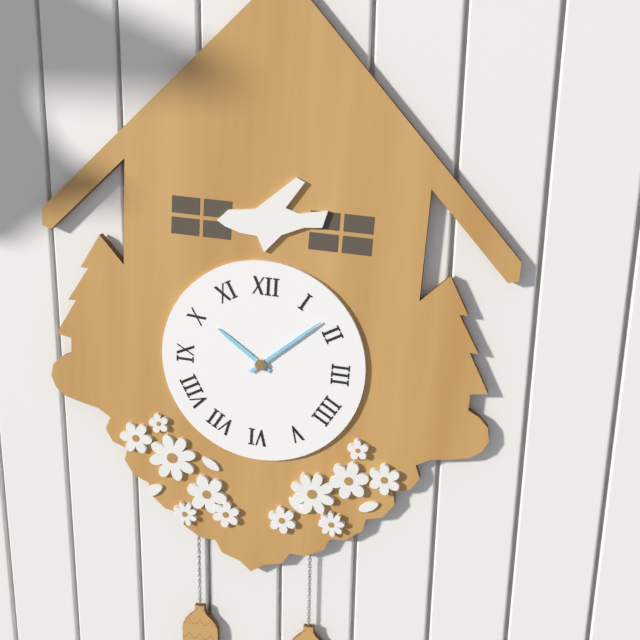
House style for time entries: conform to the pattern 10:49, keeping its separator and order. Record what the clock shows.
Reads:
10:08
